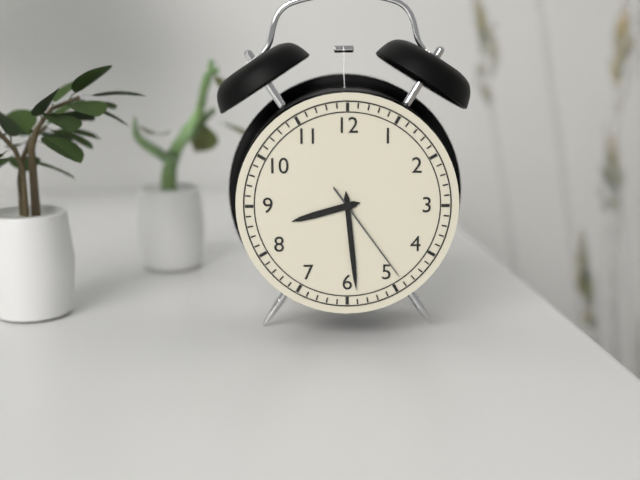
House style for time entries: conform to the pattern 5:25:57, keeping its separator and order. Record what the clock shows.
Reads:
8:29:24
